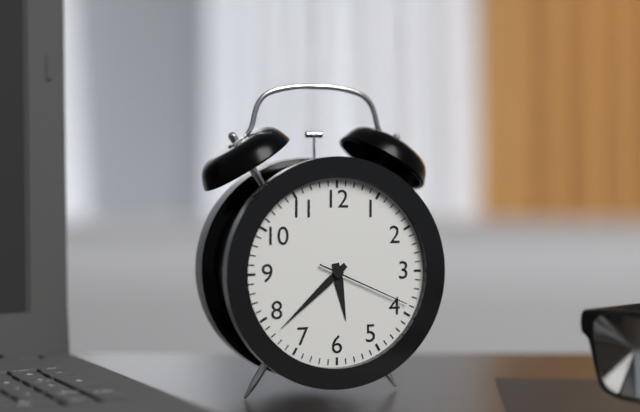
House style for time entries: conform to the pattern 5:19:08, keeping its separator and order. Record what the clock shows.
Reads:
5:38:19
